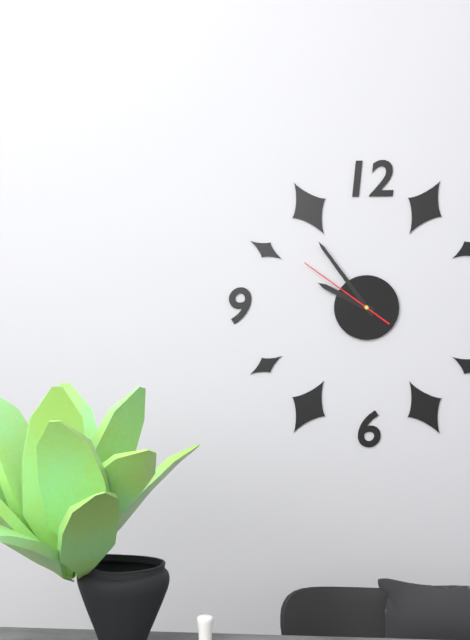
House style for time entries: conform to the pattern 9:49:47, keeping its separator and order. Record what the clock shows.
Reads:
9:54:51
